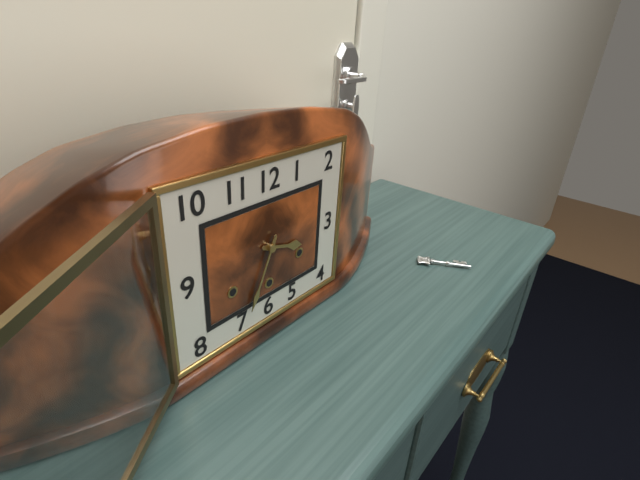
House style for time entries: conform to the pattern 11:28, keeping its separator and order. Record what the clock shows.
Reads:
3:34
